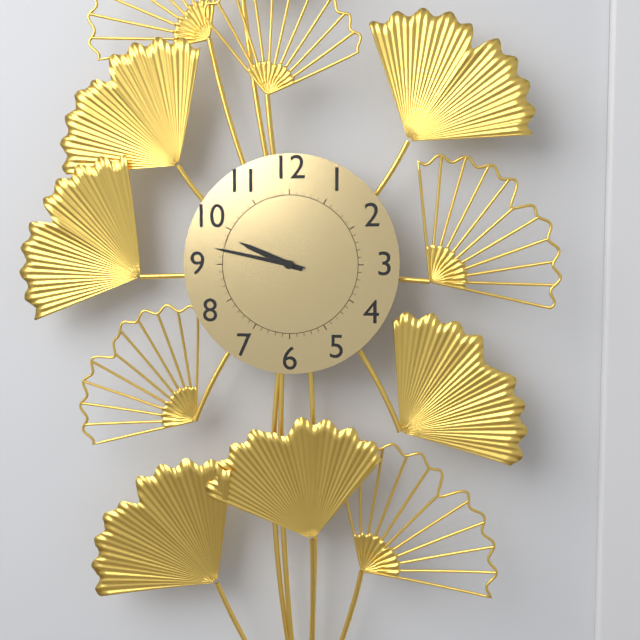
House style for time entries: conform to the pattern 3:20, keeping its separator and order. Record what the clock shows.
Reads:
9:47
